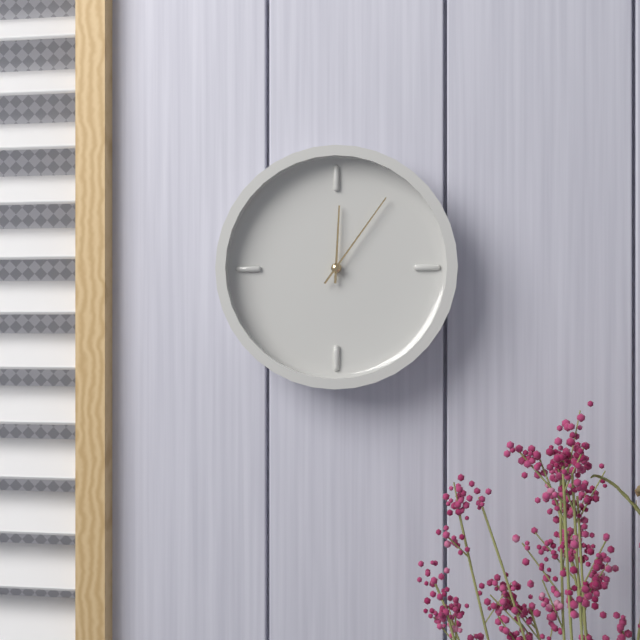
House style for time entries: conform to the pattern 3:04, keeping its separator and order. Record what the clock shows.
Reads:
12:06
